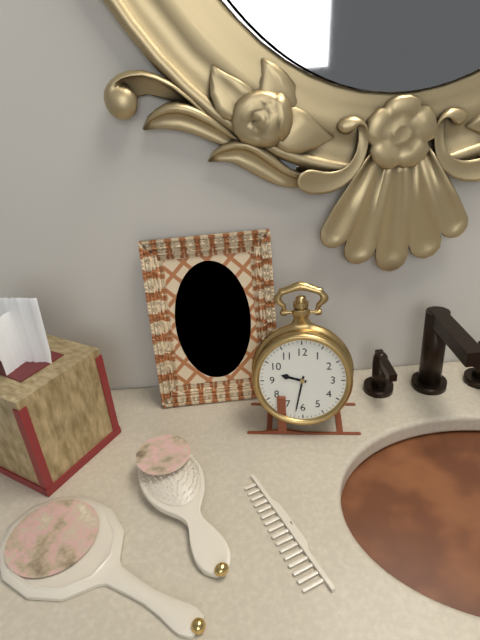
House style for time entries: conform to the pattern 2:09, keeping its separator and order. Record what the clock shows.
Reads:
9:32
